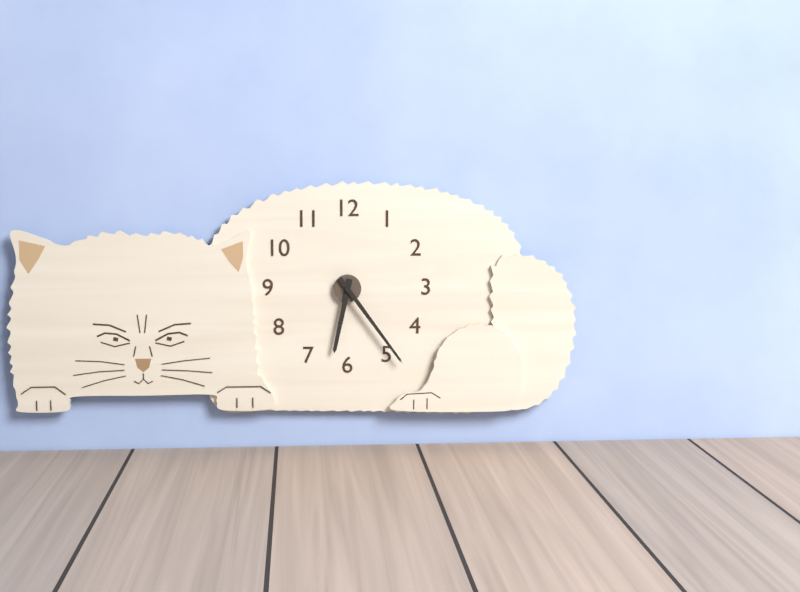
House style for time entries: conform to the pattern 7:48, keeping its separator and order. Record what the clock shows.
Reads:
6:24
